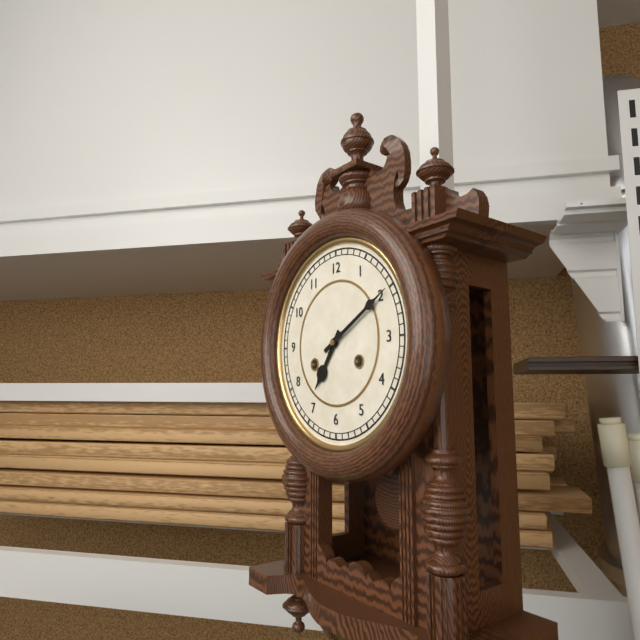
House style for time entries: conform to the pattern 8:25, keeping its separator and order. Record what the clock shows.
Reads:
7:10
